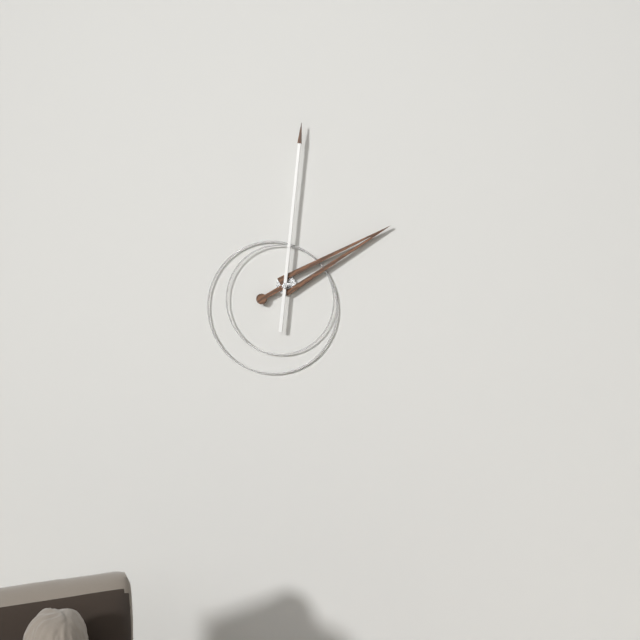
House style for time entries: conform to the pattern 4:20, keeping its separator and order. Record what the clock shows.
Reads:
2:01
